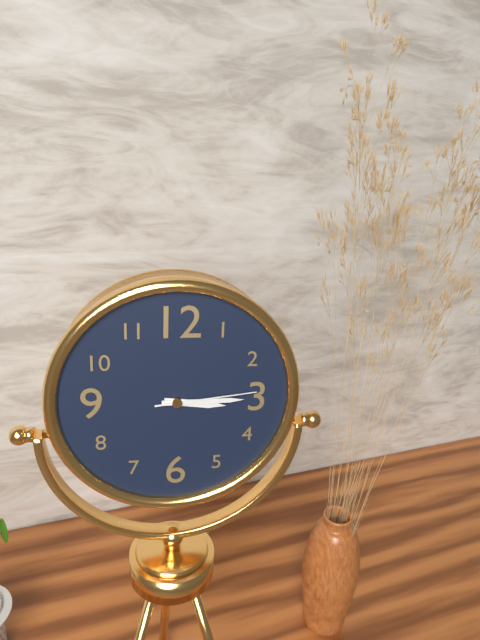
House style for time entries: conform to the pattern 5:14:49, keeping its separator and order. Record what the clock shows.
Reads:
3:15:14
